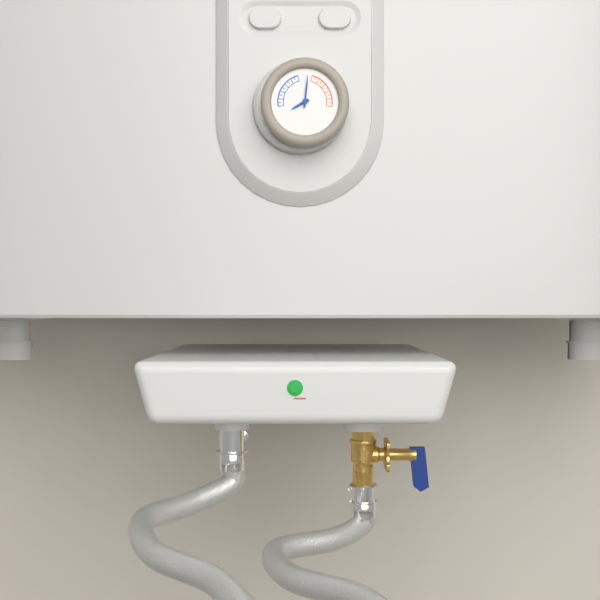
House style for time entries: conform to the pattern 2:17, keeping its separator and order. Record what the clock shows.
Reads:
8:01
